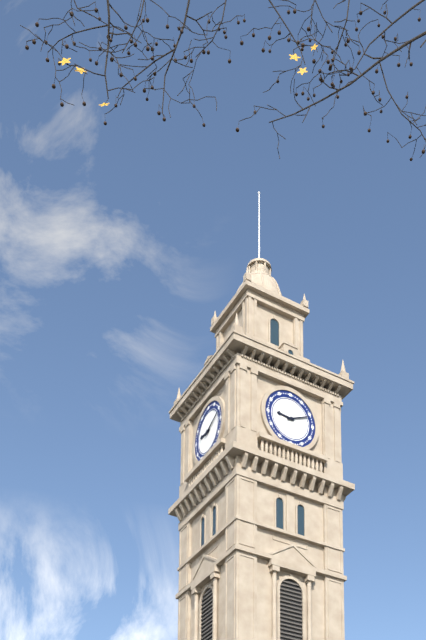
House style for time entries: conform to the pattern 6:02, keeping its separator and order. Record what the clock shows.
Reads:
9:11
